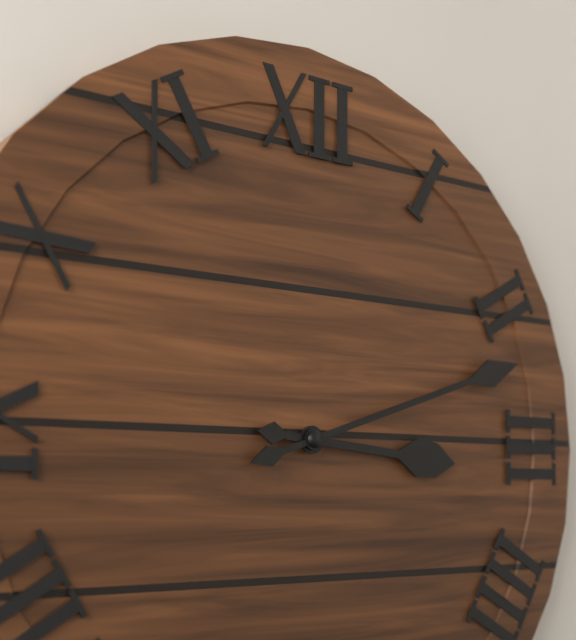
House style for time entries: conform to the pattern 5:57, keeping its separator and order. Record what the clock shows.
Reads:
3:12
